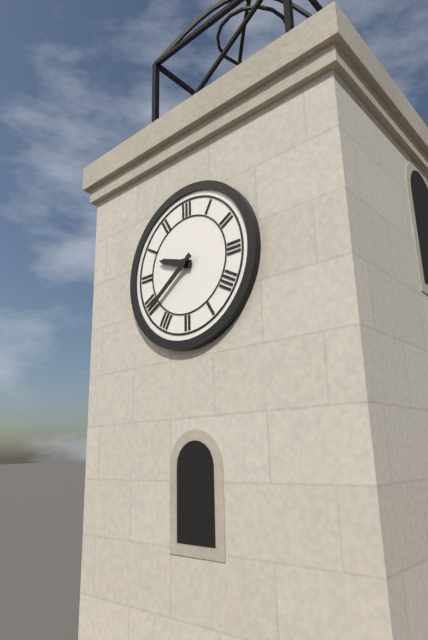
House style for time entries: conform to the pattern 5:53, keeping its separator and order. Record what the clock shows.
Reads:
9:39
